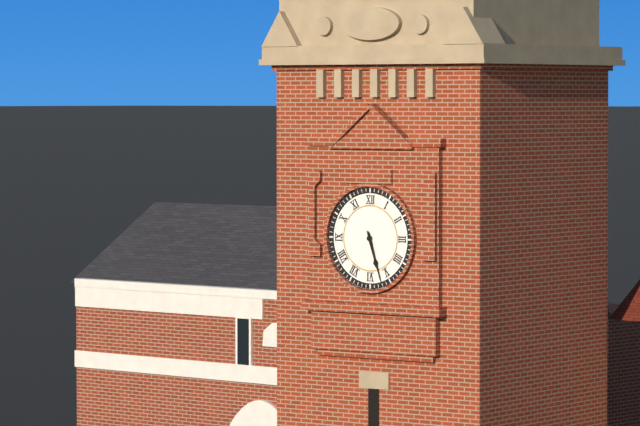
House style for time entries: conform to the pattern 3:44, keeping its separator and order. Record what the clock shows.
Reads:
5:27
